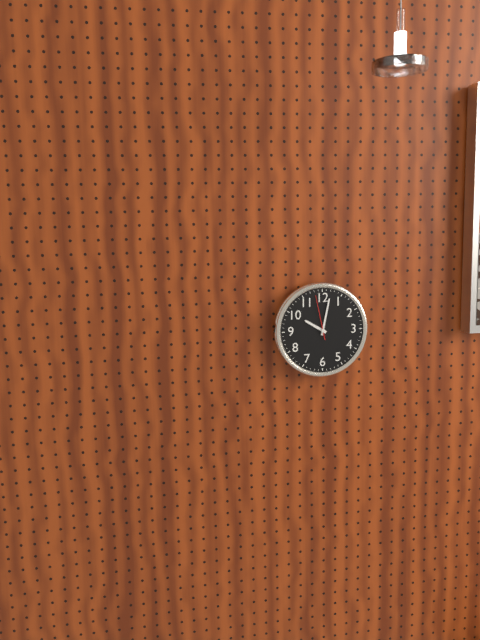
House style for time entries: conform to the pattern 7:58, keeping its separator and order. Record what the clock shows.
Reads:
10:02
